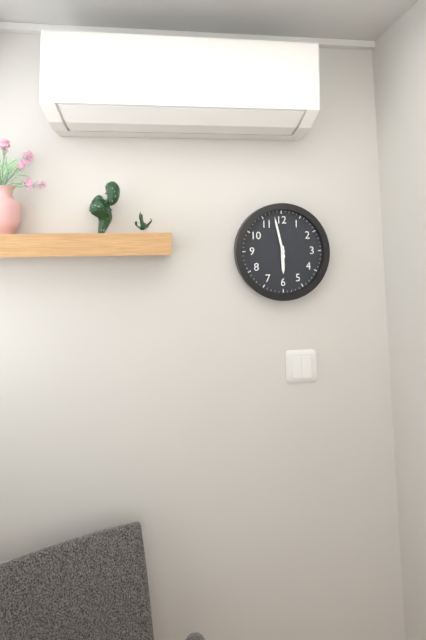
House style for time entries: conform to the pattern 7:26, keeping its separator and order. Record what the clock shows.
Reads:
5:58
